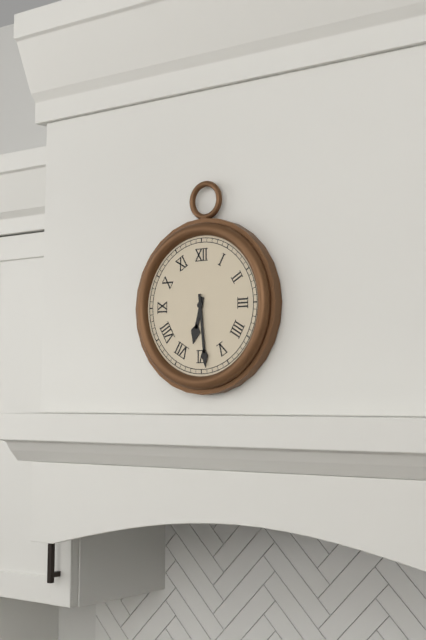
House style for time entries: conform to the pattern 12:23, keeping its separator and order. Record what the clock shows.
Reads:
6:29
